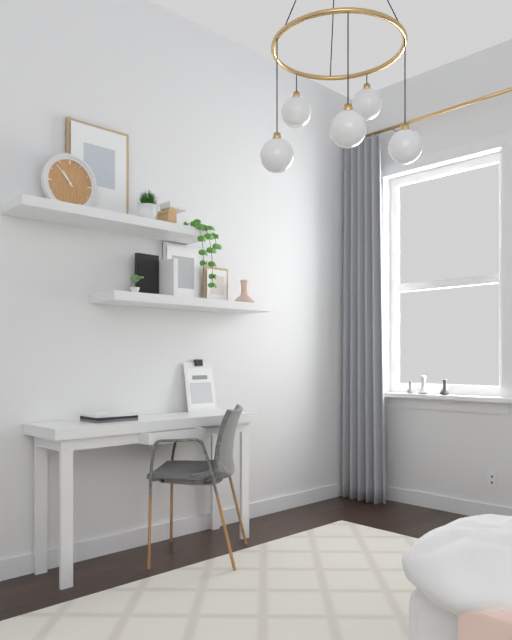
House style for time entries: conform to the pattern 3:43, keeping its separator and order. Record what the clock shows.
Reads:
10:53
